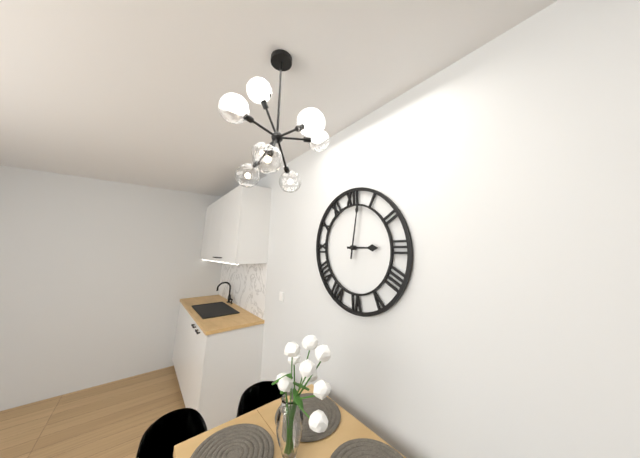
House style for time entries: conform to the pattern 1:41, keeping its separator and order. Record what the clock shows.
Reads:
3:02
